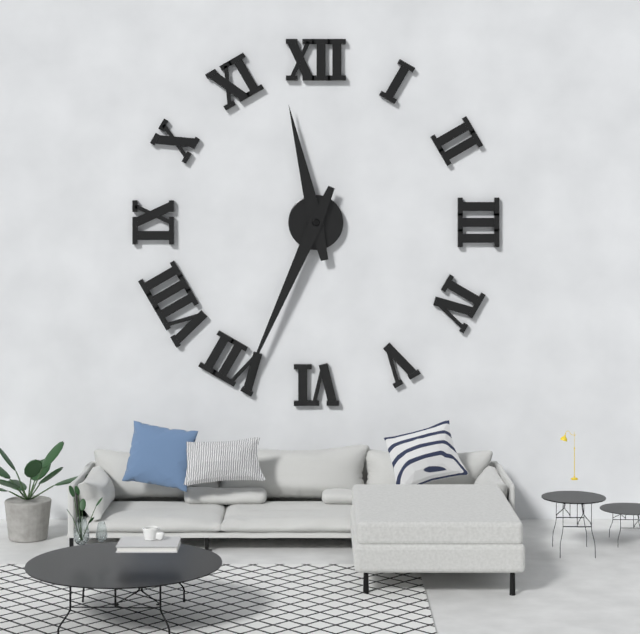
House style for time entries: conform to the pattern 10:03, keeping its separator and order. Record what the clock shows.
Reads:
11:34
